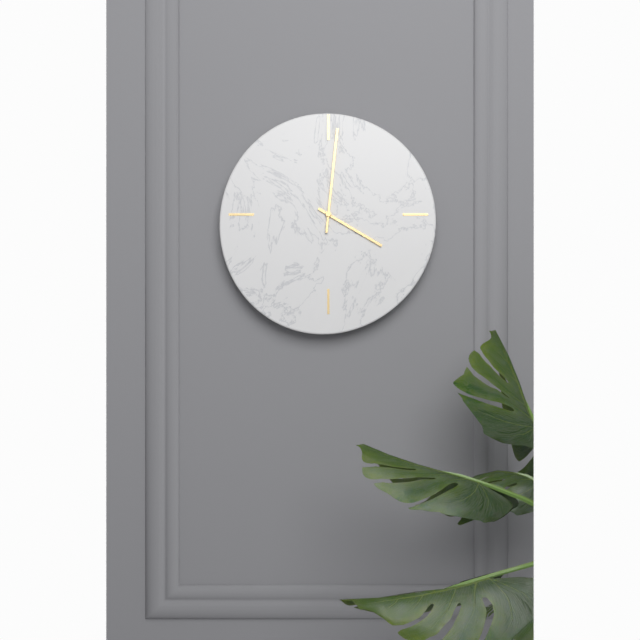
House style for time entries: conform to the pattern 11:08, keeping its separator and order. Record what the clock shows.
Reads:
4:01
